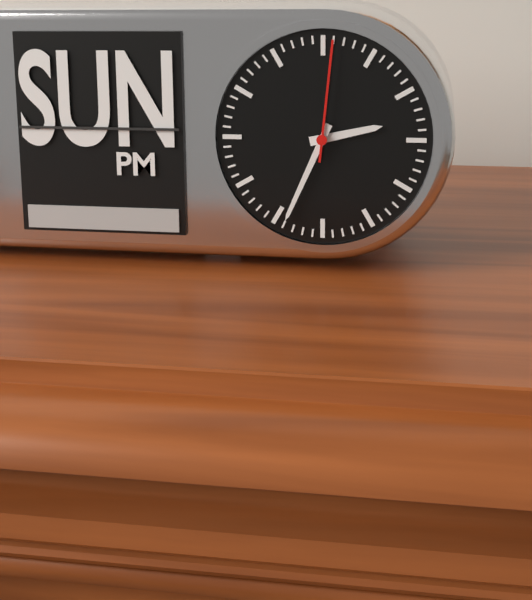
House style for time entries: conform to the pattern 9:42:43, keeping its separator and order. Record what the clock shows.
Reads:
2:34:01
